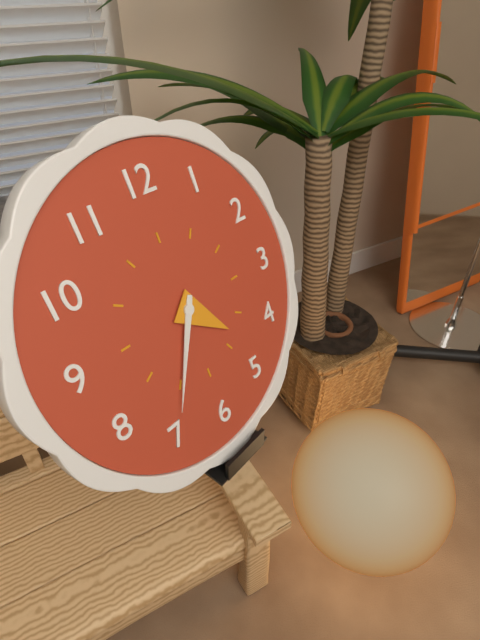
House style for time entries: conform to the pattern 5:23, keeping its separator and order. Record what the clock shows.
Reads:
4:35
